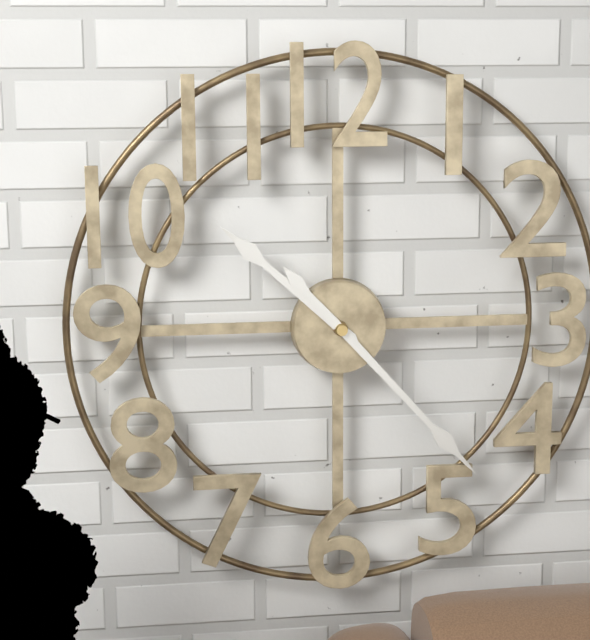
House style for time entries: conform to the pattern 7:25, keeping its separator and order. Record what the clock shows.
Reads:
10:23
